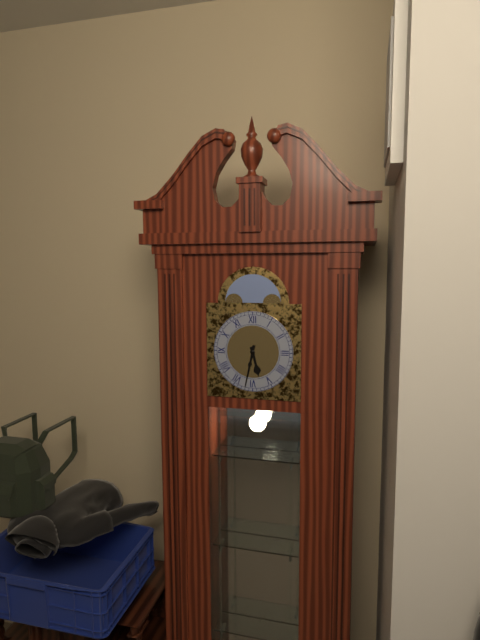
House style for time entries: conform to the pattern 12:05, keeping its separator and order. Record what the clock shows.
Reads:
5:32
